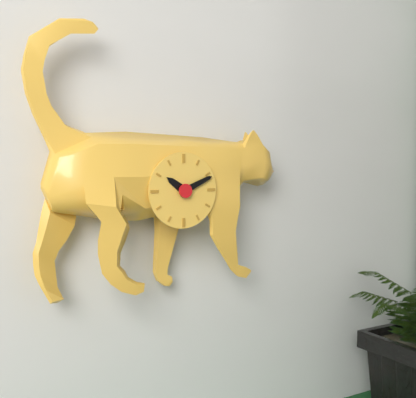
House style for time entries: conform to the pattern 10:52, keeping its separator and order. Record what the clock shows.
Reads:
10:11
